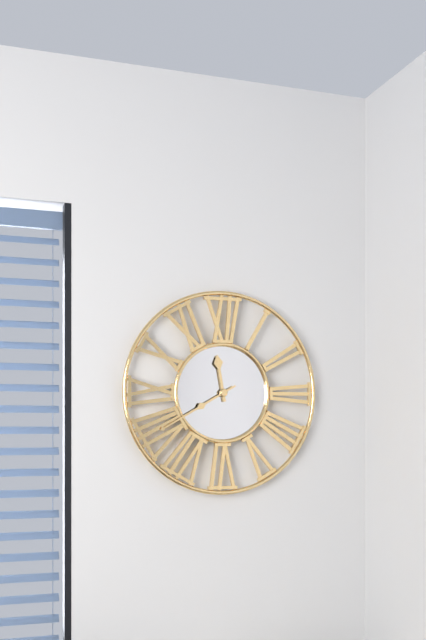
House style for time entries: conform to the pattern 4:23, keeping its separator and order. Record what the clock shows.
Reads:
11:40
